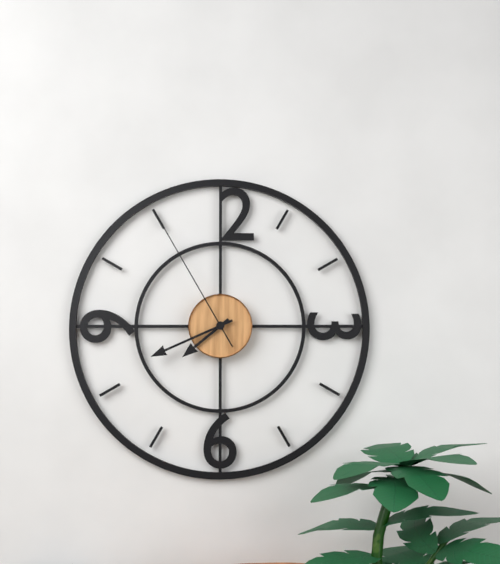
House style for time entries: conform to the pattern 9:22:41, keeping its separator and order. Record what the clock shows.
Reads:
7:41:55
